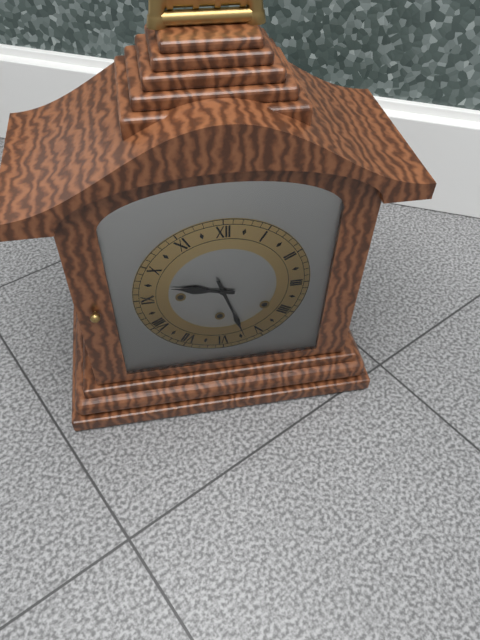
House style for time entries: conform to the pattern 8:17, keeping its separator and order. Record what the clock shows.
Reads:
9:27
